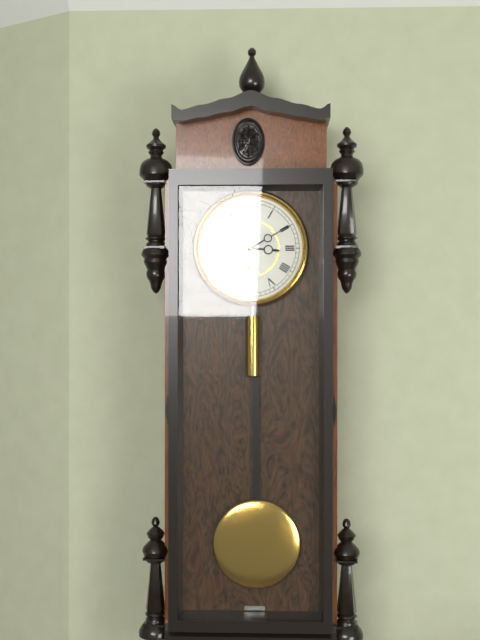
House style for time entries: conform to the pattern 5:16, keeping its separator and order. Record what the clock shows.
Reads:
3:10
